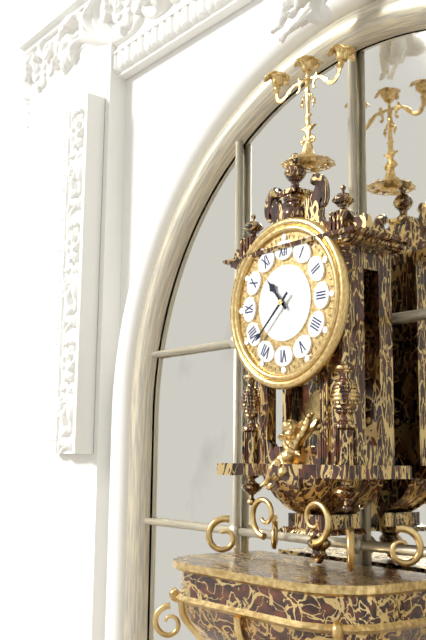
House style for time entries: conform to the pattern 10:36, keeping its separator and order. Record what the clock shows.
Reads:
10:38
